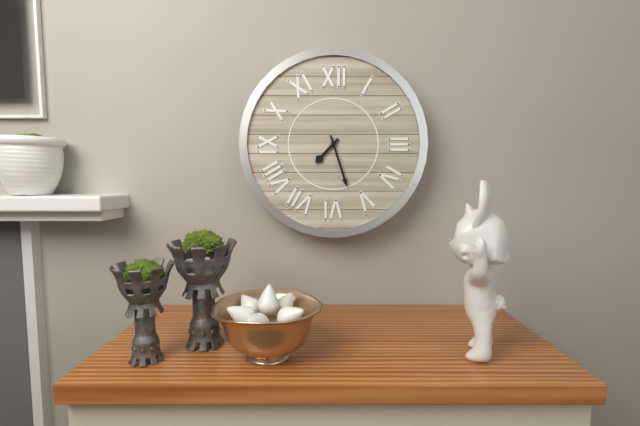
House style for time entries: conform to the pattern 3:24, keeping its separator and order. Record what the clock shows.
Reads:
7:27
